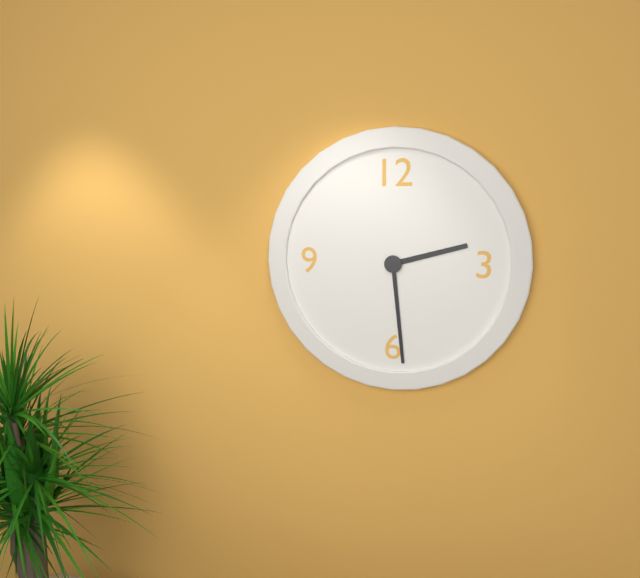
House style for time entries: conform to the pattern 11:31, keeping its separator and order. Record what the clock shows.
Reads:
2:29
